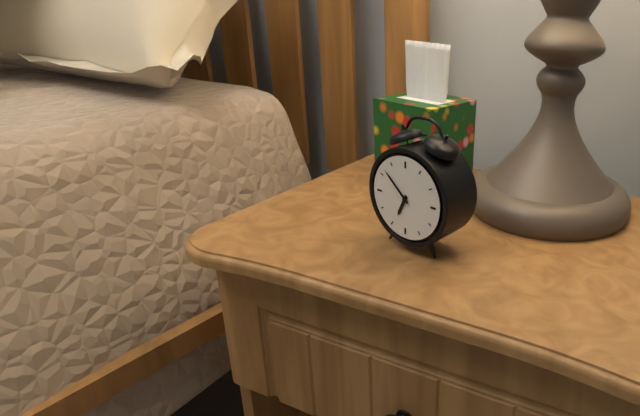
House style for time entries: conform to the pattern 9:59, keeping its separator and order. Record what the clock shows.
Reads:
6:52
